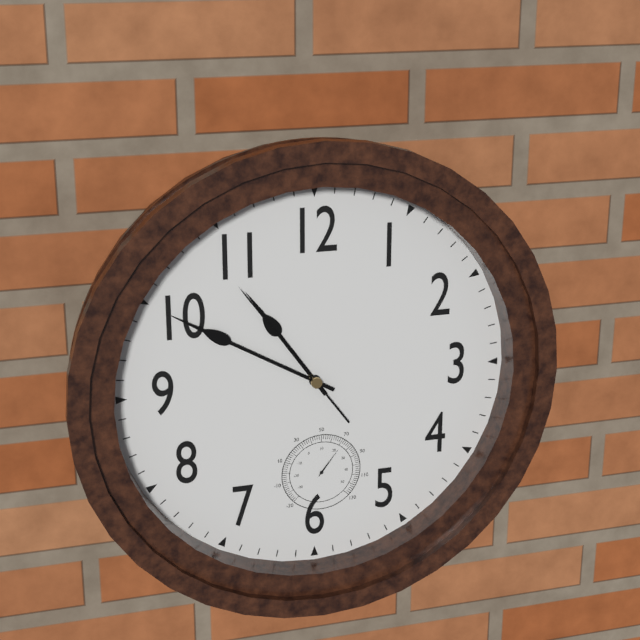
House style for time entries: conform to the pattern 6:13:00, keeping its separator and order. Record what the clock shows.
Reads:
10:50:54
